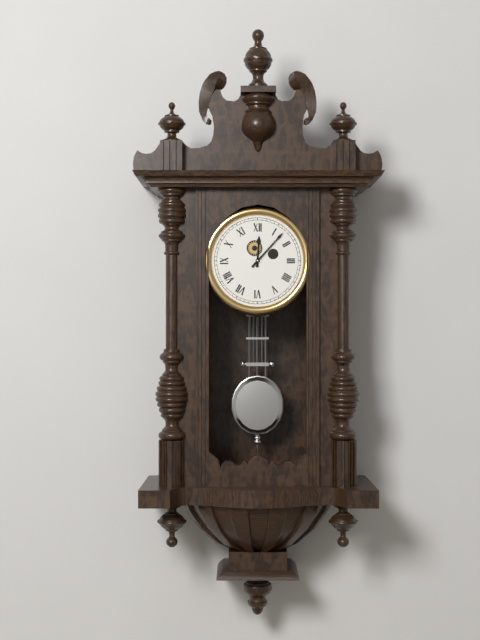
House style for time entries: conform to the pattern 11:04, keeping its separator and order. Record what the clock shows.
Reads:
12:07
